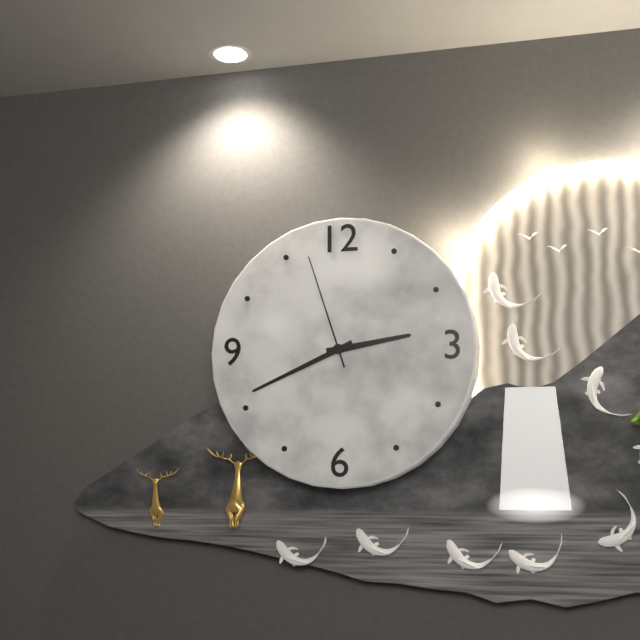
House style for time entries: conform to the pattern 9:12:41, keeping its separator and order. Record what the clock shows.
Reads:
2:41:57
